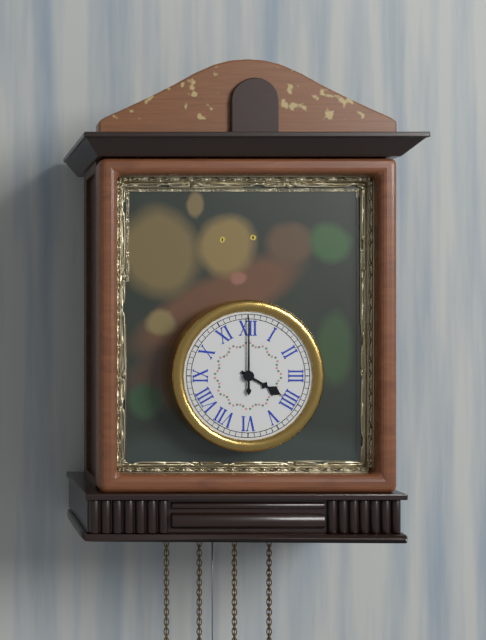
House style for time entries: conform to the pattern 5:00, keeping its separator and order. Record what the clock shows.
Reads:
4:00
